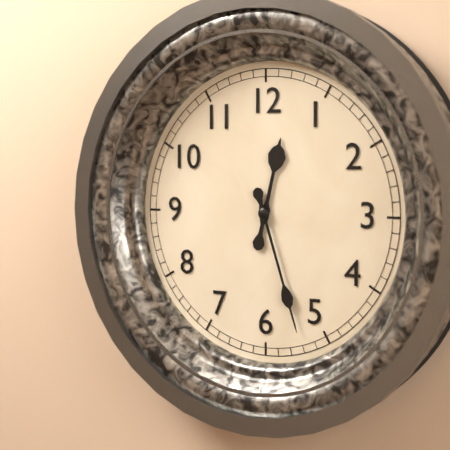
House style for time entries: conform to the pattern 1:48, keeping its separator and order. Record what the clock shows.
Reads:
12:27
